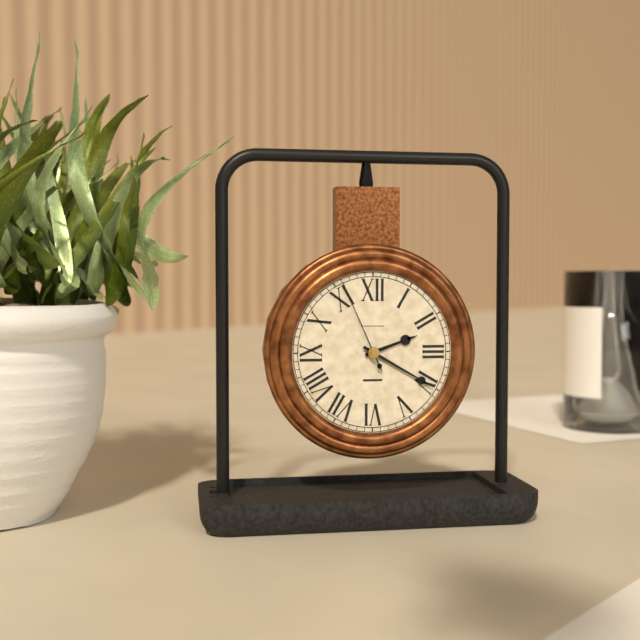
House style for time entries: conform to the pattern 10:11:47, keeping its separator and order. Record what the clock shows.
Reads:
2:20:56
